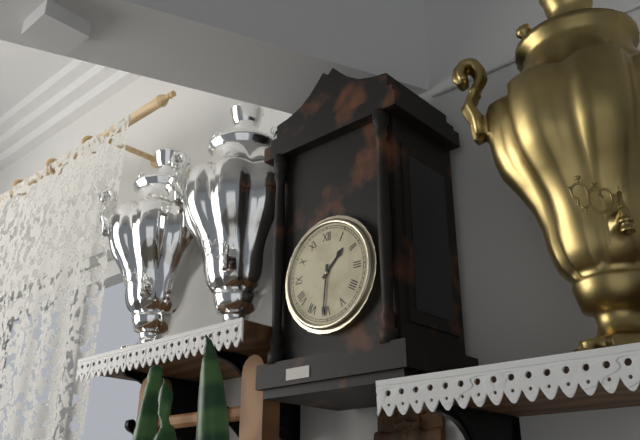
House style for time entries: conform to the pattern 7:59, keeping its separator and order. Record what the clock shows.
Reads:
1:31
